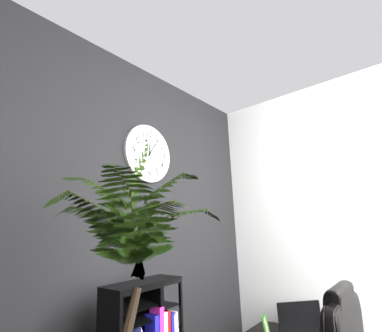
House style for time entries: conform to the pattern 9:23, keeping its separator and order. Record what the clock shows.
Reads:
12:06
